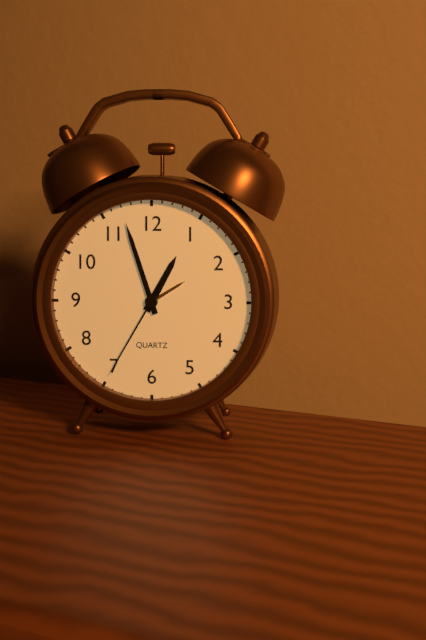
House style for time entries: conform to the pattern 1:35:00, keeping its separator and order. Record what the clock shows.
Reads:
12:57:35
